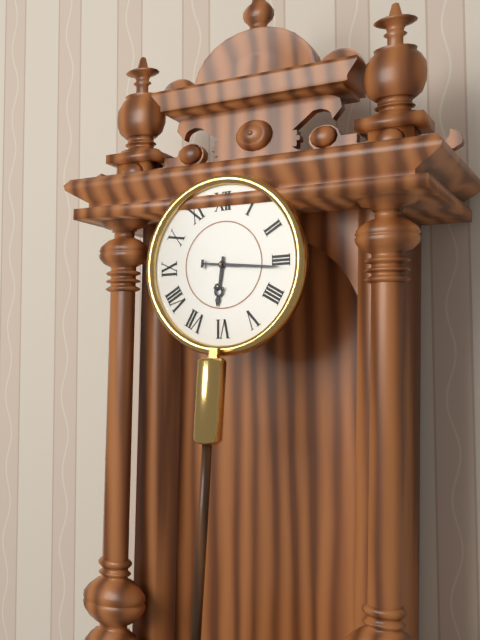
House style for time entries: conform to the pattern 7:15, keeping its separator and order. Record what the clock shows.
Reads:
6:16
